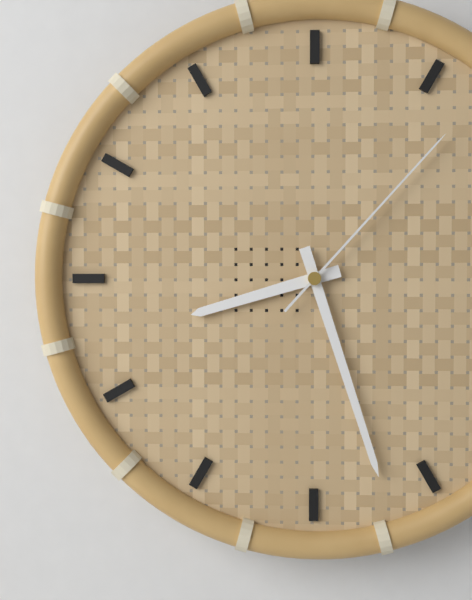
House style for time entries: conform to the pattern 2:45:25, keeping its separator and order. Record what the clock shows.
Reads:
8:27:07
